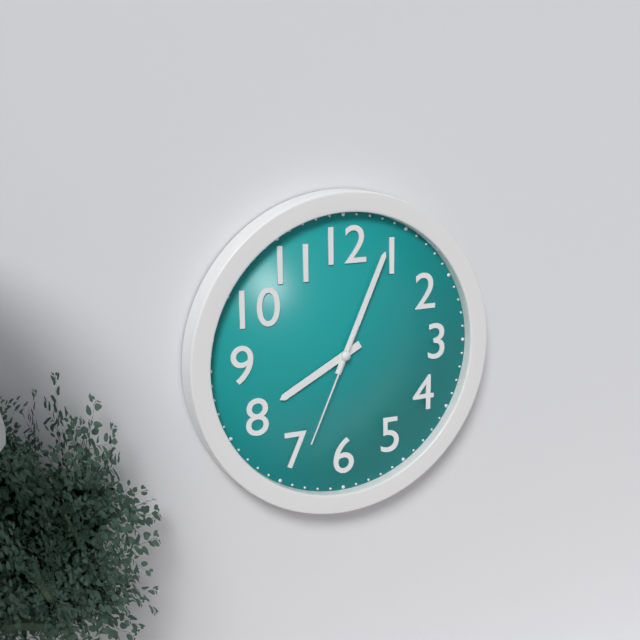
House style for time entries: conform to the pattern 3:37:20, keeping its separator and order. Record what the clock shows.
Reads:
8:04:34
